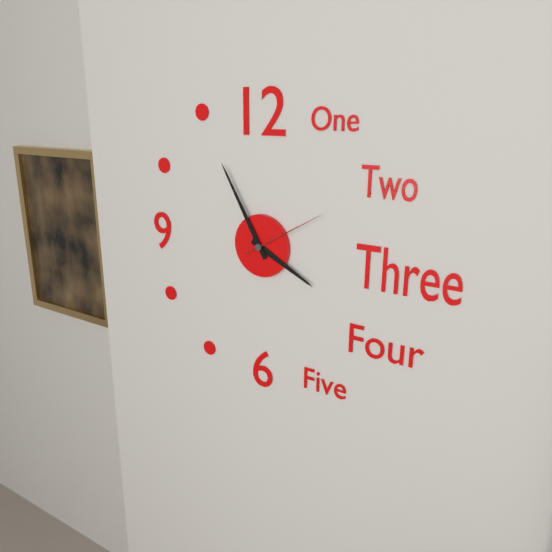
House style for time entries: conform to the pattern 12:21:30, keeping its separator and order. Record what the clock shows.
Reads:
3:55:10
